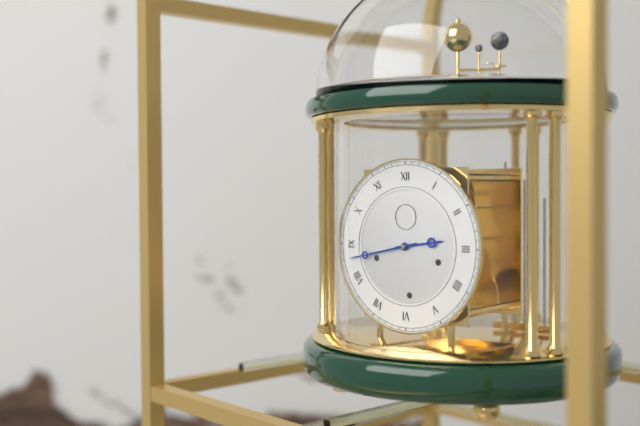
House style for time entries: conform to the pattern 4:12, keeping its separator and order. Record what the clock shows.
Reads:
2:43
